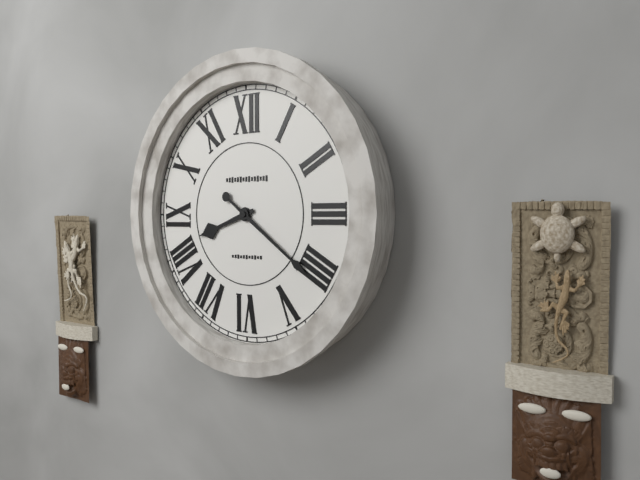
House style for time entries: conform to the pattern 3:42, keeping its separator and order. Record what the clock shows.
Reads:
8:21
